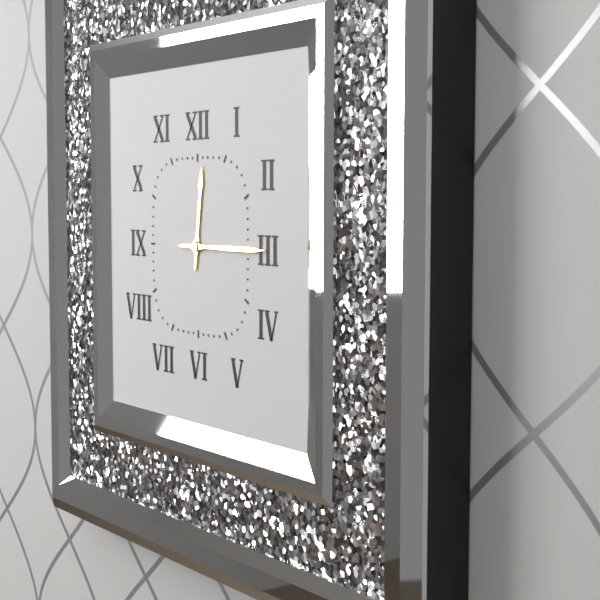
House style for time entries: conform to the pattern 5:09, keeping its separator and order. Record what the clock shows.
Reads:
12:15
